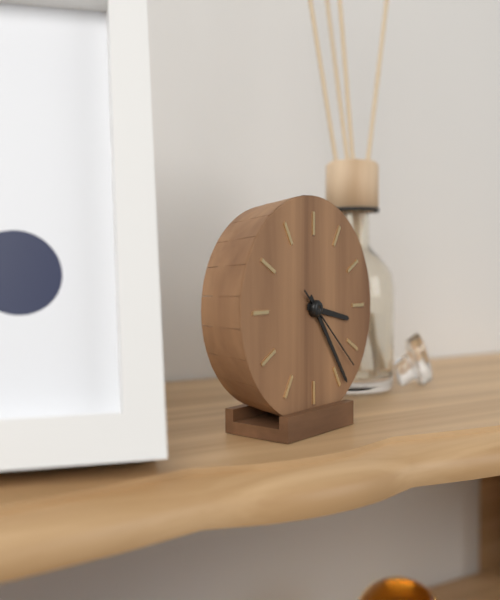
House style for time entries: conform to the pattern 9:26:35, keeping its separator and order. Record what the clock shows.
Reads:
3:24:22
